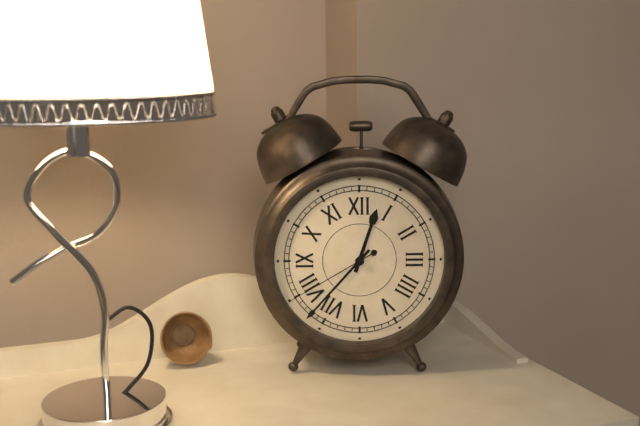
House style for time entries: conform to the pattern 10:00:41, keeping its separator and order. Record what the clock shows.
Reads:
12:37:40
